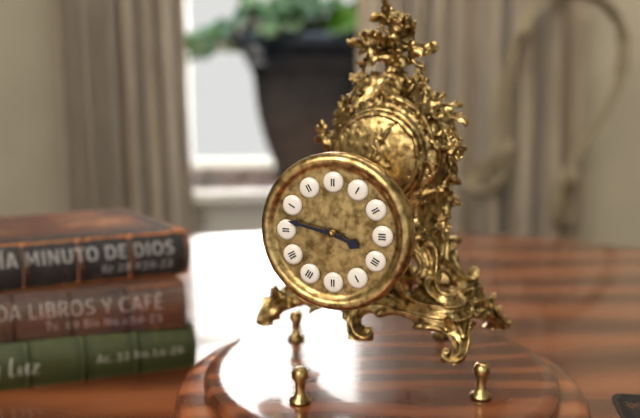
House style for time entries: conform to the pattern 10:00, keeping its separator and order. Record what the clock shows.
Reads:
3:47
